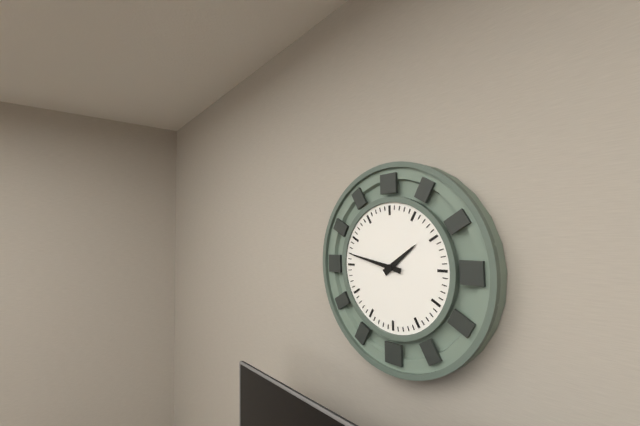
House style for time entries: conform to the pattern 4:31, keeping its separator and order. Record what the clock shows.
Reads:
1:47
